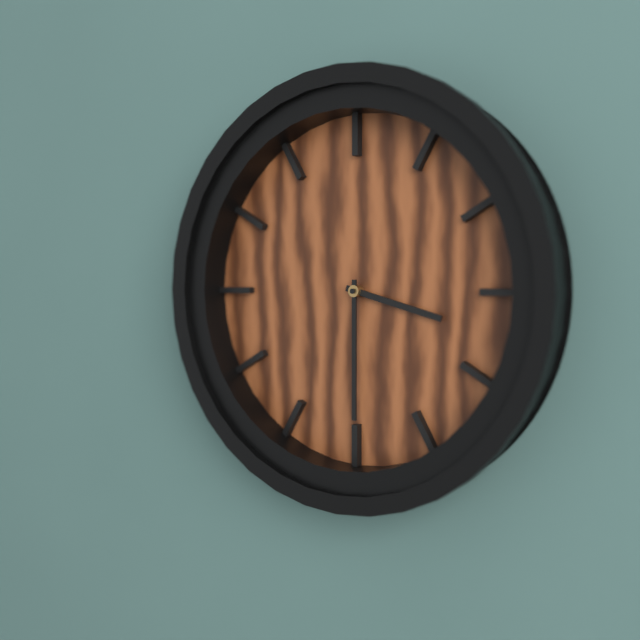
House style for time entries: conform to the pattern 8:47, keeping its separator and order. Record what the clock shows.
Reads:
3:30
